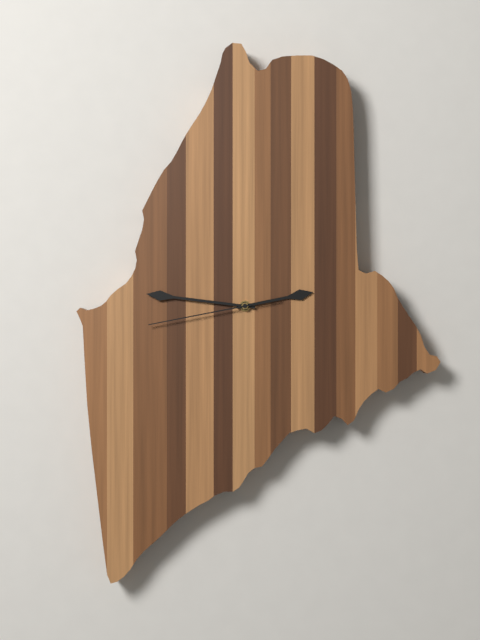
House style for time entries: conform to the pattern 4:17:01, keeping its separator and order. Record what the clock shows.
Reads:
2:47:44
